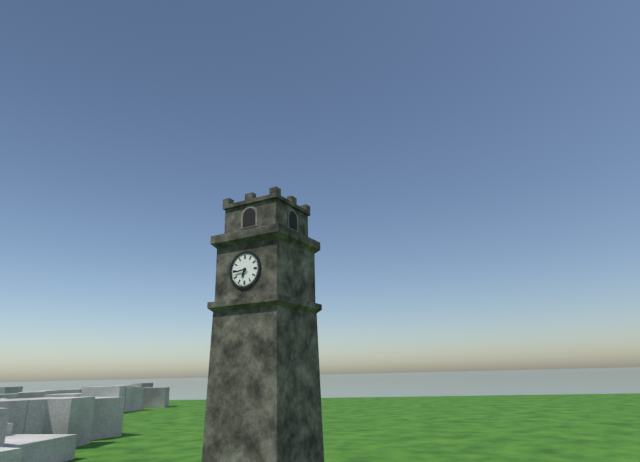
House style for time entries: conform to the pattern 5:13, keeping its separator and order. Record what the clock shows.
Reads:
6:44
